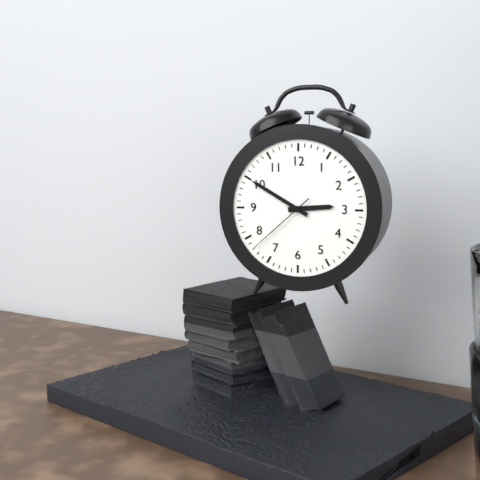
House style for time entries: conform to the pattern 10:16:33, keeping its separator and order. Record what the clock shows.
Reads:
2:50:38
